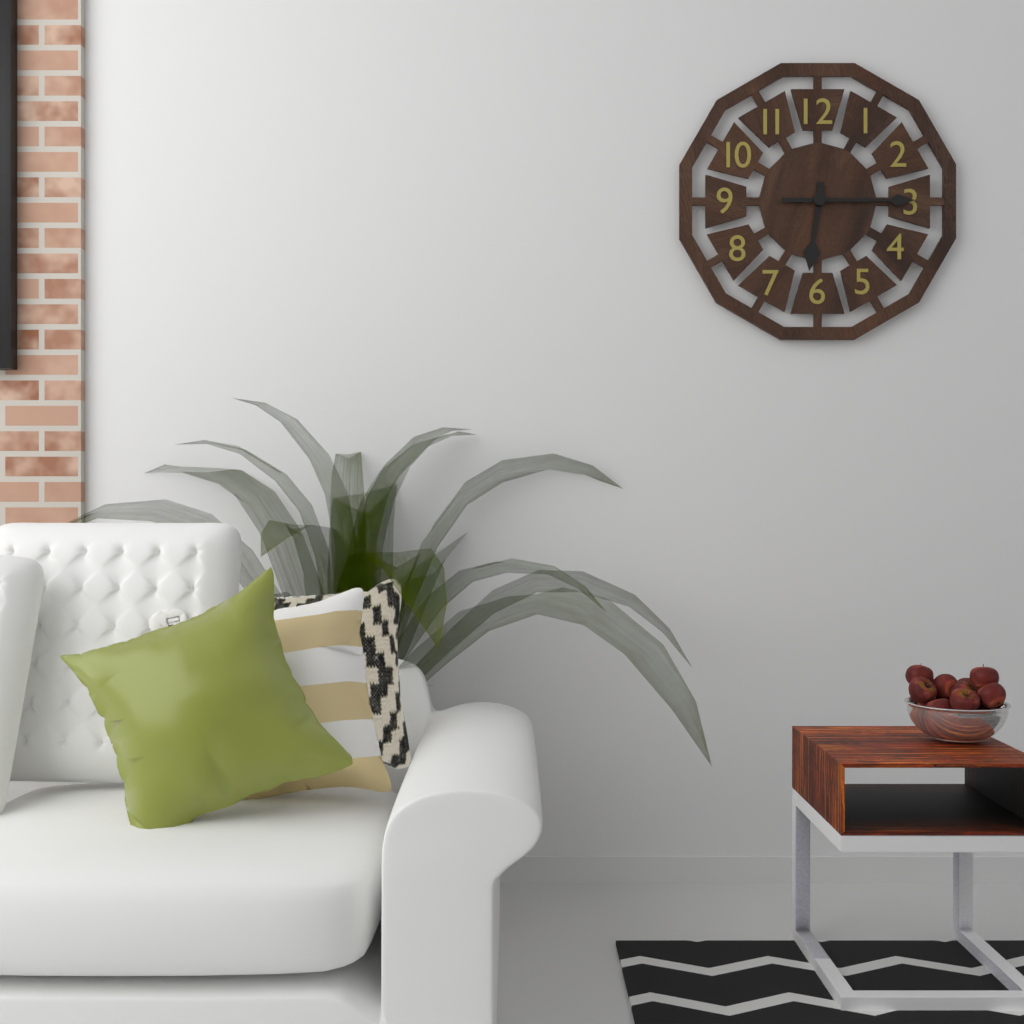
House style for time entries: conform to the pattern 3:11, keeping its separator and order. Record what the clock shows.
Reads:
6:15
